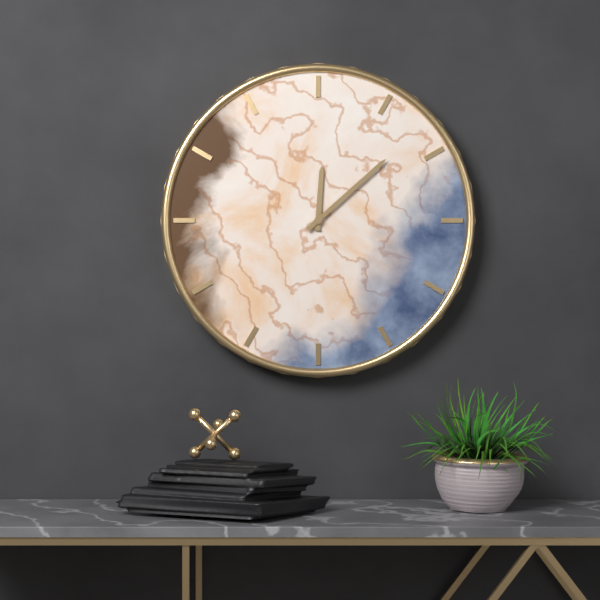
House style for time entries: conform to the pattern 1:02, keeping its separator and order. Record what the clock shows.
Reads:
12:08
